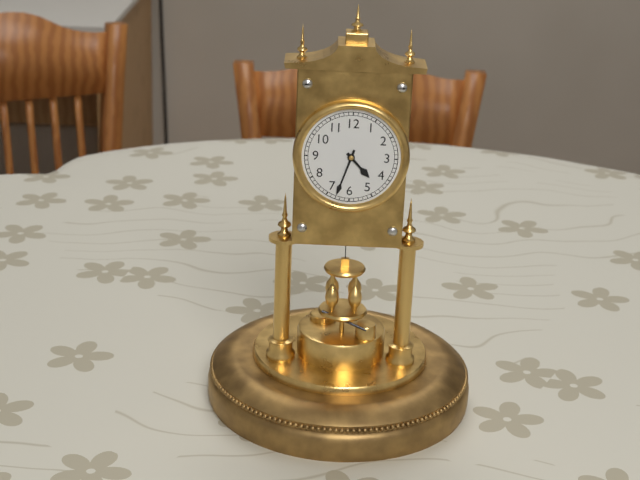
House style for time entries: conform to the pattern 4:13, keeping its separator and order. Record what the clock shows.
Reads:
4:33
